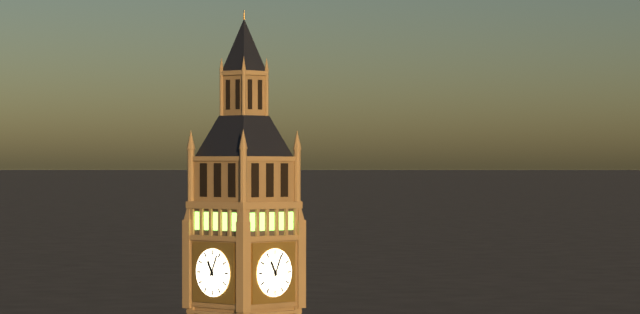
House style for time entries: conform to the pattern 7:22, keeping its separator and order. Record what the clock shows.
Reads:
11:04
